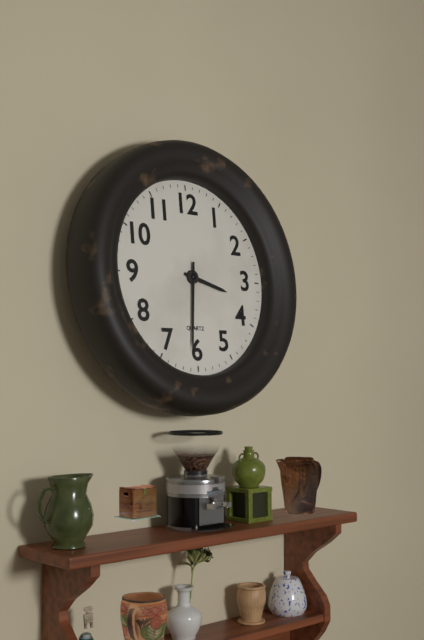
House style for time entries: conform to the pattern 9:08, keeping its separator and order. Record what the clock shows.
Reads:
3:31
